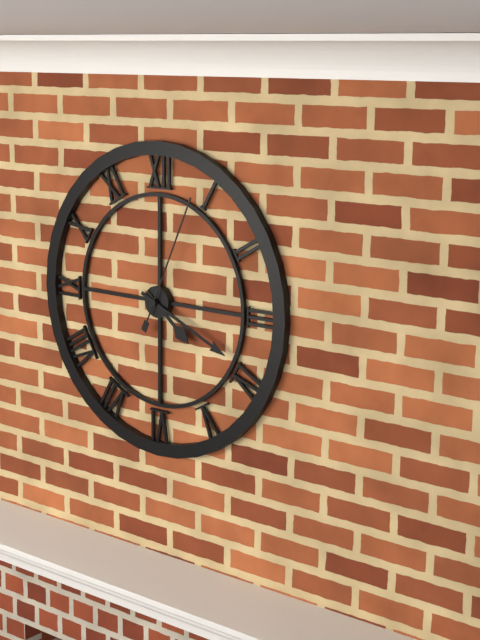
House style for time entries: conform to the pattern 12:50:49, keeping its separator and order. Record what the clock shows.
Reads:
4:19:04
